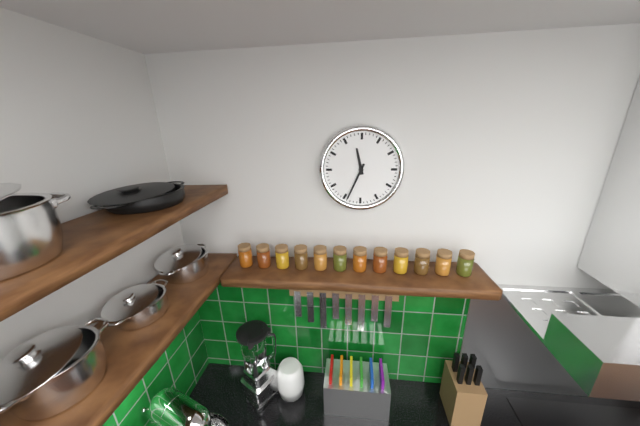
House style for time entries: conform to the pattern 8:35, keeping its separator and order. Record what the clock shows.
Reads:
11:34
